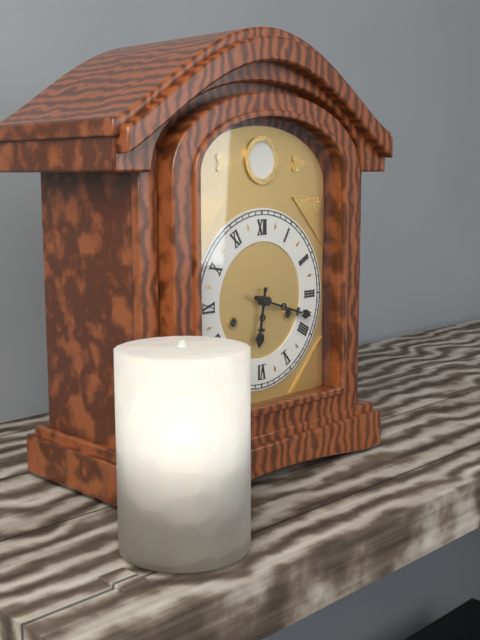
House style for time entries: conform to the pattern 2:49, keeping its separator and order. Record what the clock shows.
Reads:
6:18
